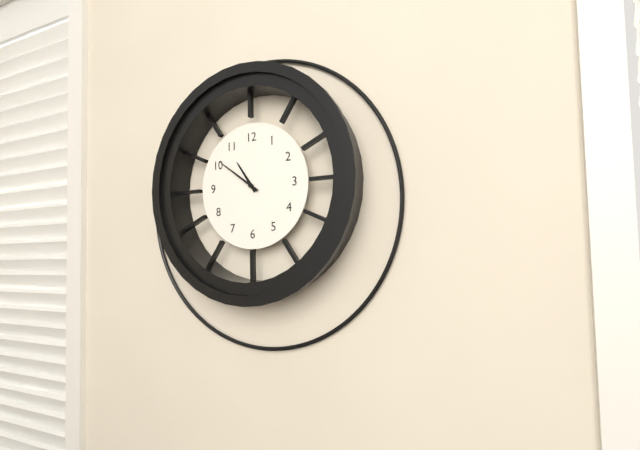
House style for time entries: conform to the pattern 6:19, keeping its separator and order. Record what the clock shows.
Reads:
10:51
